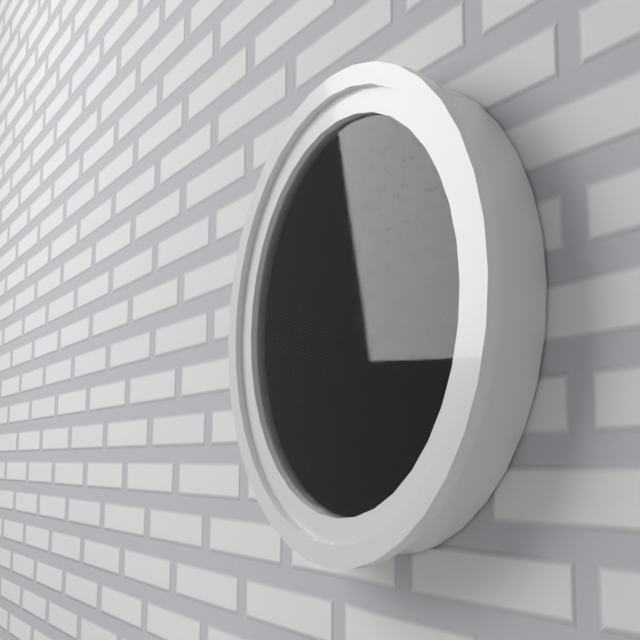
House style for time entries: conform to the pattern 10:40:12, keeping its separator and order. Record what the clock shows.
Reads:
11:03:33
